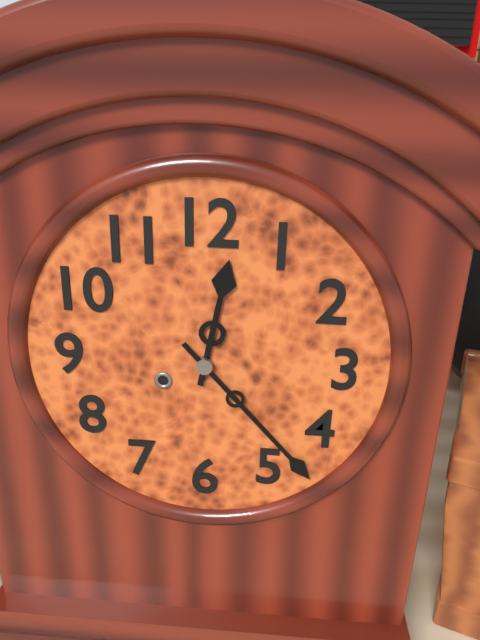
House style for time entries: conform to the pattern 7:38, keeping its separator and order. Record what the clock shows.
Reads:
12:23
